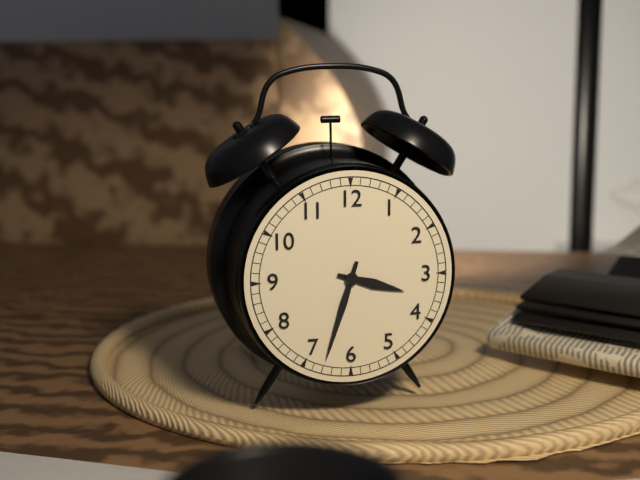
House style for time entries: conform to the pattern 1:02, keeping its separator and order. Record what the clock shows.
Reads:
3:33
